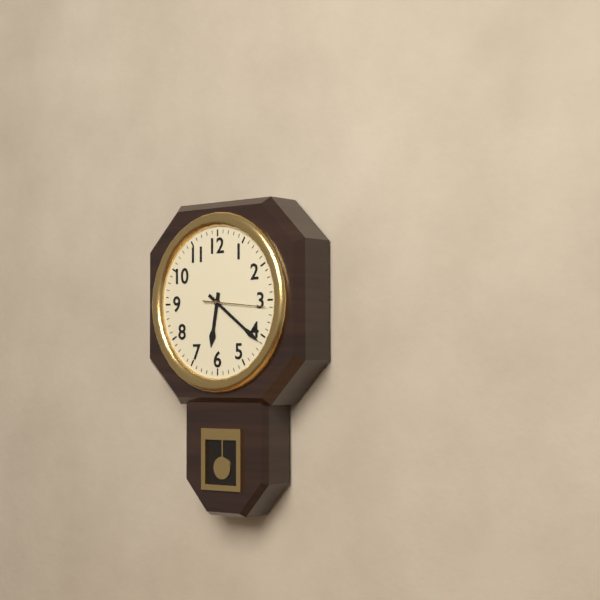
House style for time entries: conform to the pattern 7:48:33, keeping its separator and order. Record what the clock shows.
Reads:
6:21:16
